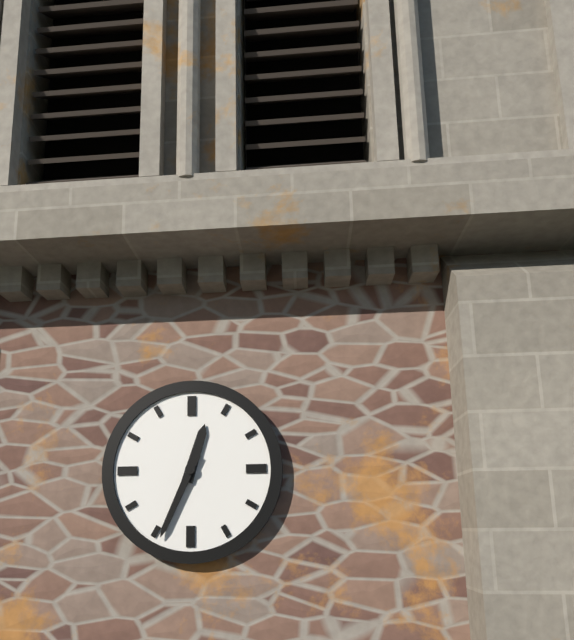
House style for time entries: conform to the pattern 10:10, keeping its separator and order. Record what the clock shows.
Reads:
12:34
